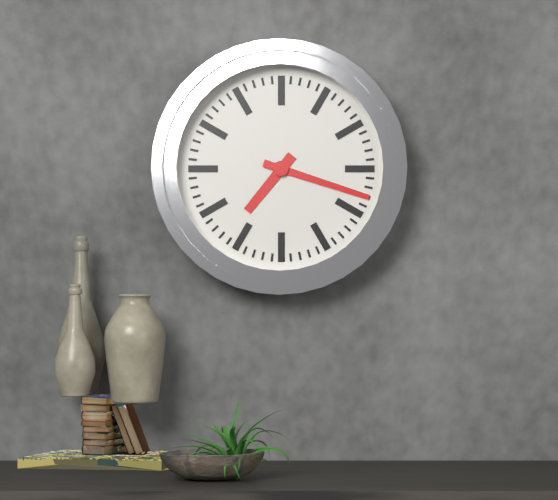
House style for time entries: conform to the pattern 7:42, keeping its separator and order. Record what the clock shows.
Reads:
7:18
